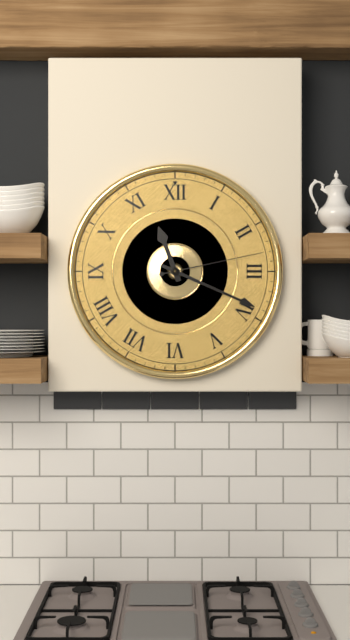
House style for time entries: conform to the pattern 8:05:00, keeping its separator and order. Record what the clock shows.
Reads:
11:19:13
